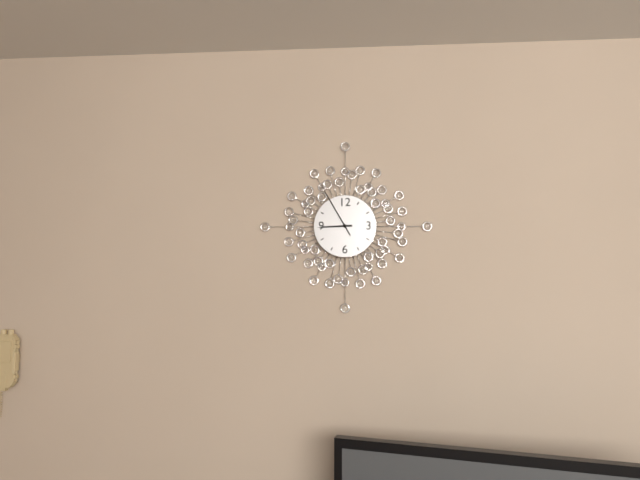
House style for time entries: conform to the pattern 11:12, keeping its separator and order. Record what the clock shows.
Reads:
8:55
